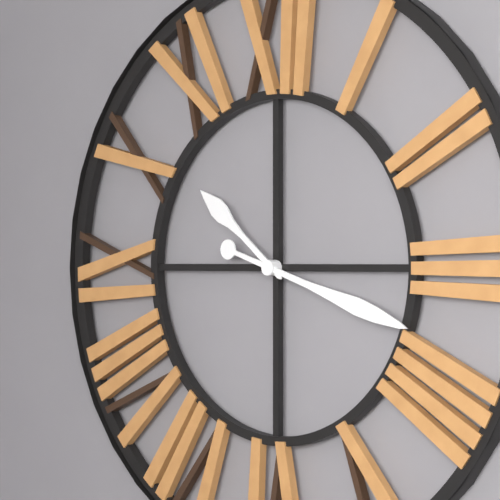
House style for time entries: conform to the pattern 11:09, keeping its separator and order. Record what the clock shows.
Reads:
10:18
